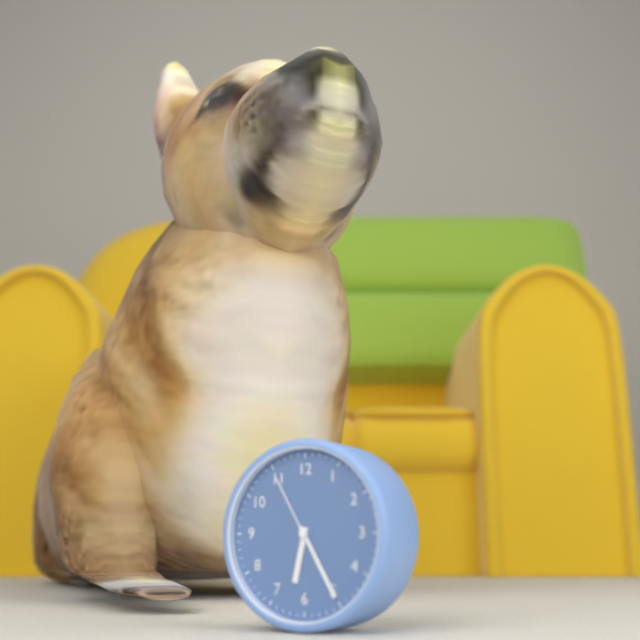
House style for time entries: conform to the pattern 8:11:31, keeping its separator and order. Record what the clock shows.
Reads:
6:25:55
